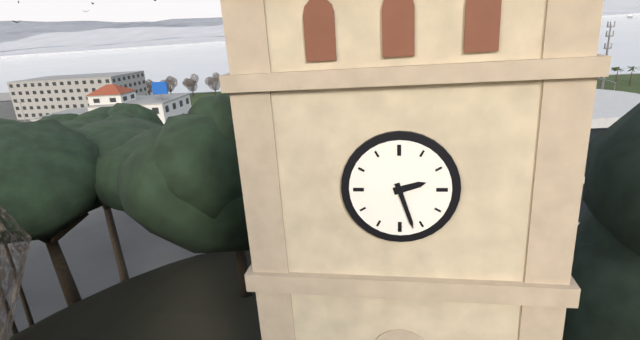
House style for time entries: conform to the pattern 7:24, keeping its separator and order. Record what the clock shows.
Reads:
2:27
